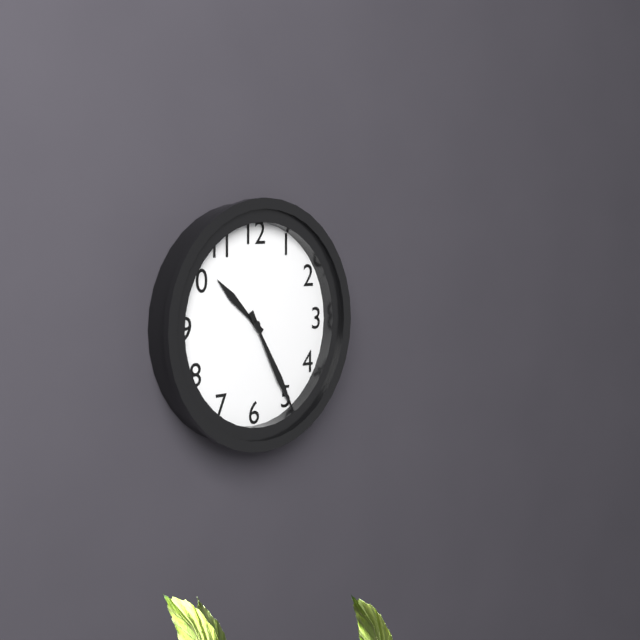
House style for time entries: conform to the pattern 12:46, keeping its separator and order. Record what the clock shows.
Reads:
10:25
